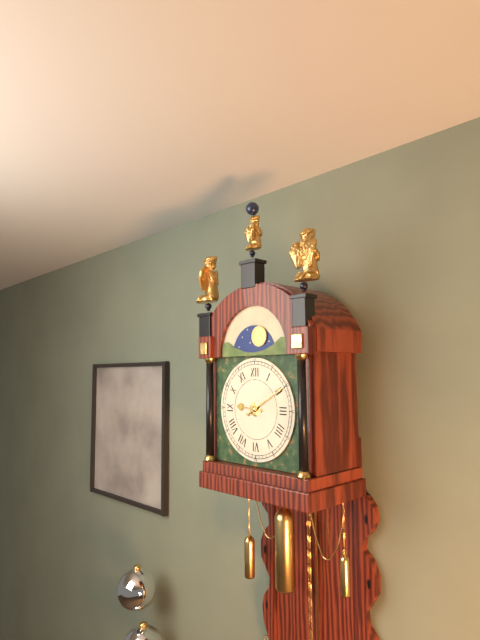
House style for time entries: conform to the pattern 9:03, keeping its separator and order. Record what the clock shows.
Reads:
9:10
